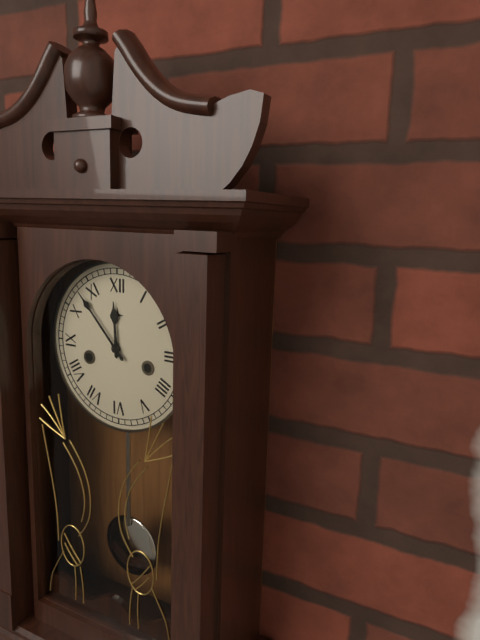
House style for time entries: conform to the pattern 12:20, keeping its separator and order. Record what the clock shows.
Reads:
11:53
